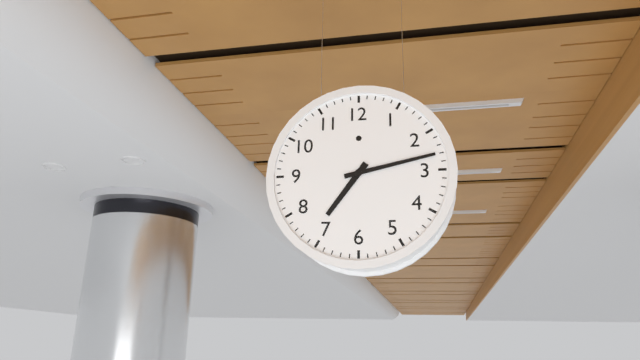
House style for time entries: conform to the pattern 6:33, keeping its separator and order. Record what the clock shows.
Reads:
7:13
